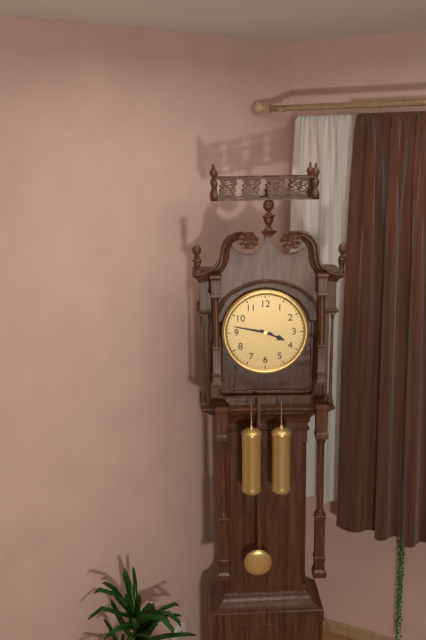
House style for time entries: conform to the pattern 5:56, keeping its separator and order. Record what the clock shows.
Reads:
3:47
